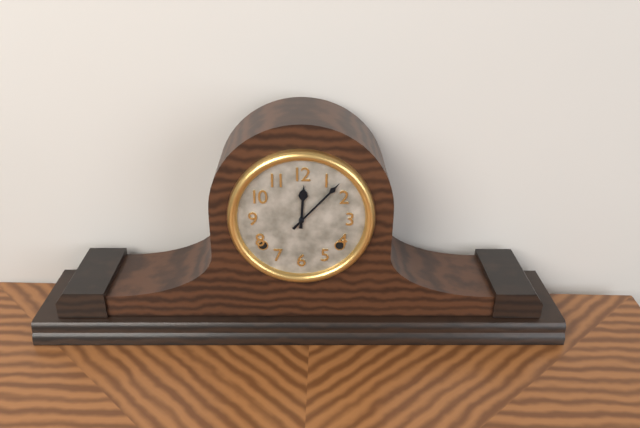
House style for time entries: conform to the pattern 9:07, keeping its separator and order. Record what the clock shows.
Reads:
12:07
